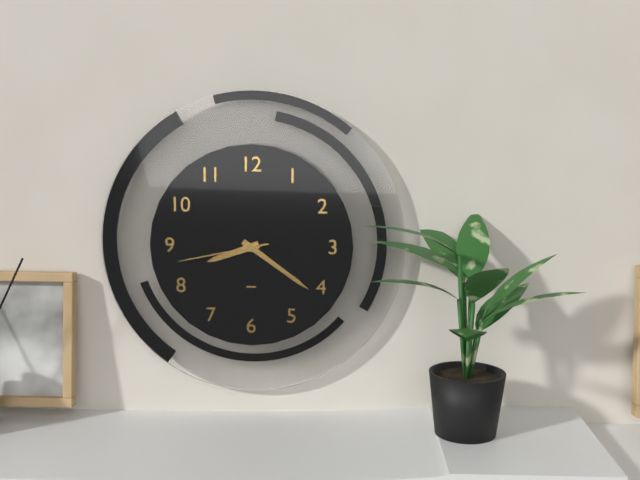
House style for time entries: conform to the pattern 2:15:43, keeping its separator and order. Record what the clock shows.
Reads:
8:21:43
